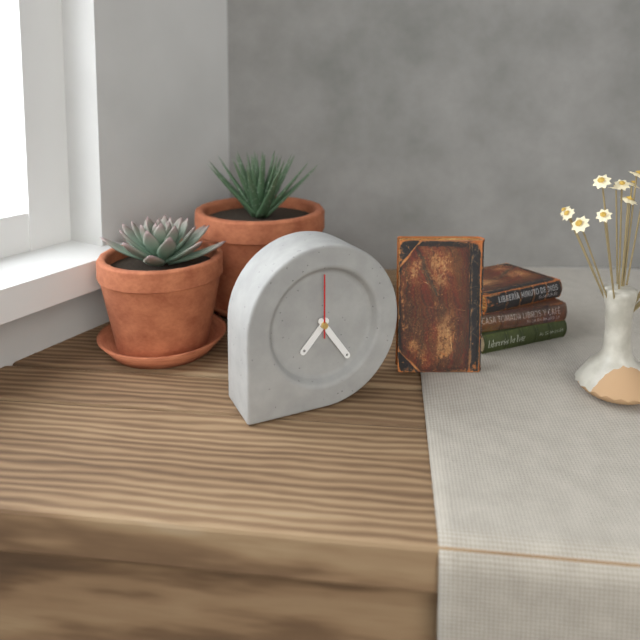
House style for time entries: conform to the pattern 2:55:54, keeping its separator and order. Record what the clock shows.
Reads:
7:24:00
